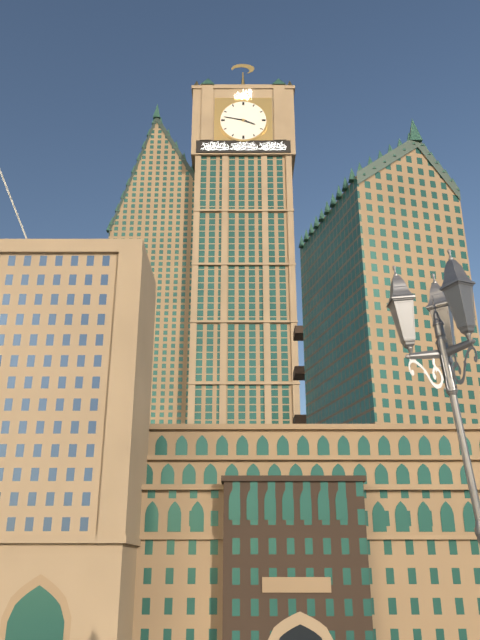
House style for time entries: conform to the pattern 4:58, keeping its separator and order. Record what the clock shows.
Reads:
3:47
